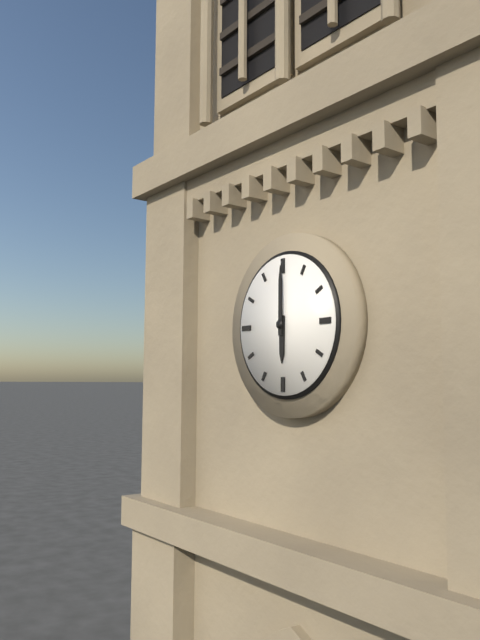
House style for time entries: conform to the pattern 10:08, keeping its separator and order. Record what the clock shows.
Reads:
6:00
